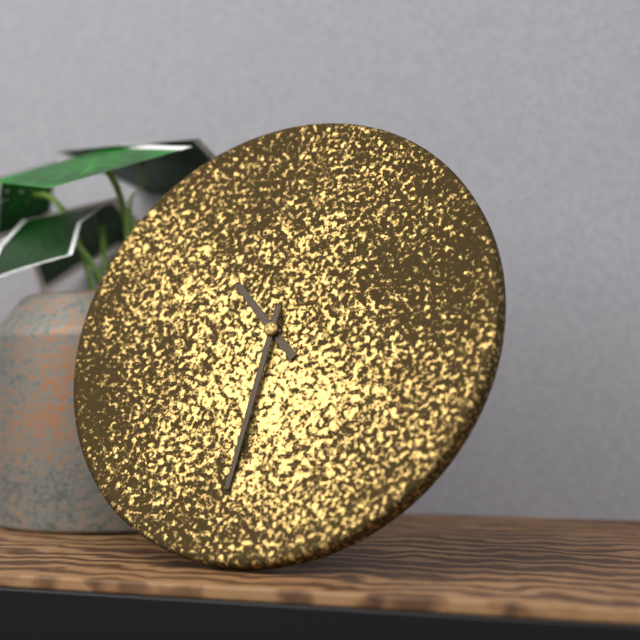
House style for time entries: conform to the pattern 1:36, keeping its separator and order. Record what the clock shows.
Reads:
10:31
